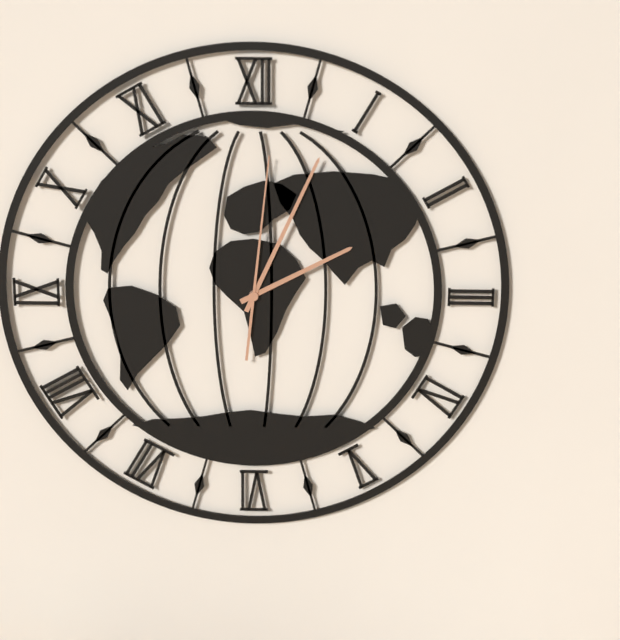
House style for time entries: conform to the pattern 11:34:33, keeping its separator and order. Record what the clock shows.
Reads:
2:04:01
